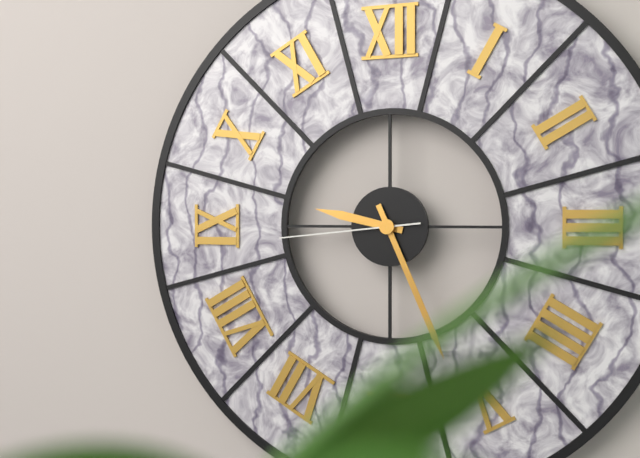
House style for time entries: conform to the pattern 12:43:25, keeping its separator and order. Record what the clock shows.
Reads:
9:26:44
